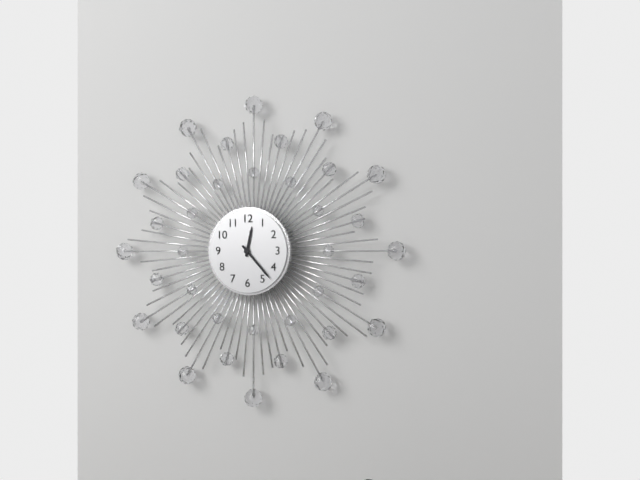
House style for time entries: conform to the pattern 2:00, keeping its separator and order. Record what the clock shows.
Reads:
12:23
